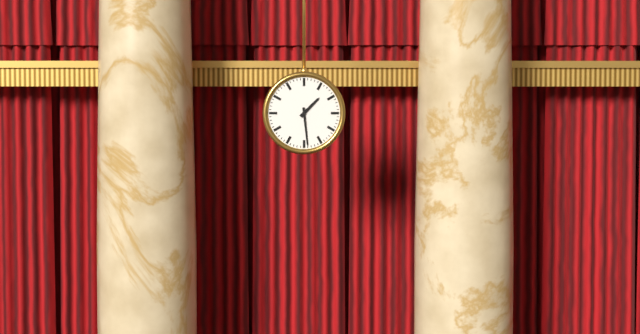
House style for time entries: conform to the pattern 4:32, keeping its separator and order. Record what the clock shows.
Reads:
1:29
